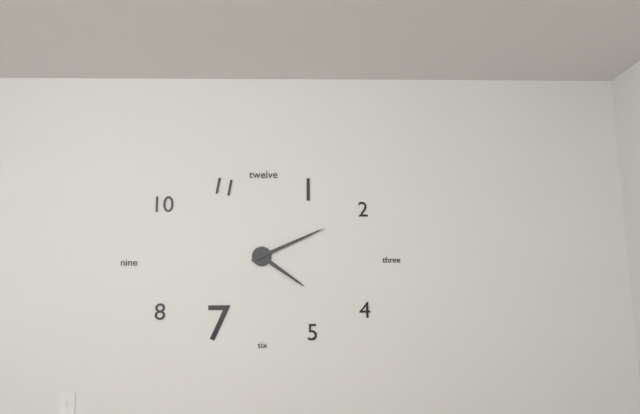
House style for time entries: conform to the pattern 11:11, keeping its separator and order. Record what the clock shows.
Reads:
4:11
